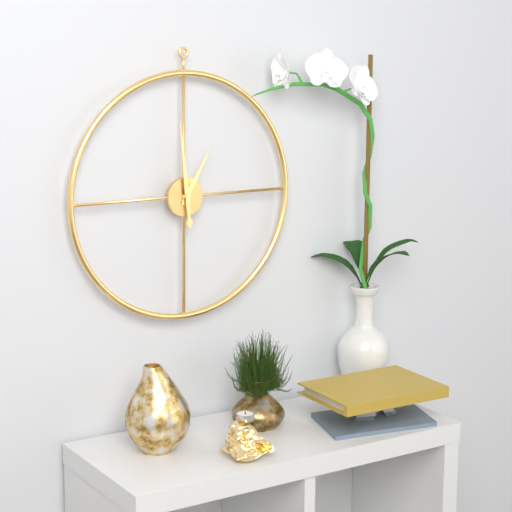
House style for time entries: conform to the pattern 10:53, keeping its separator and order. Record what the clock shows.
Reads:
12:59
